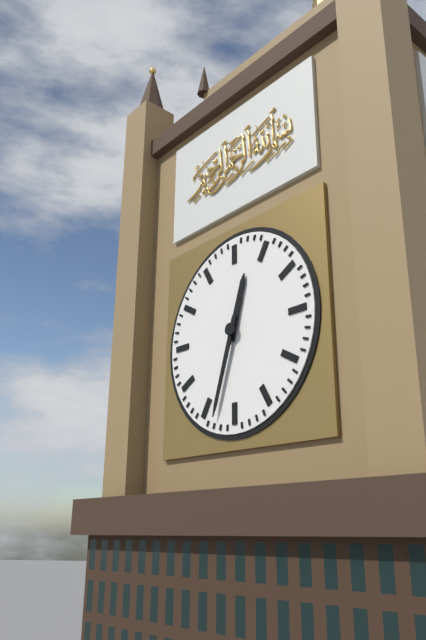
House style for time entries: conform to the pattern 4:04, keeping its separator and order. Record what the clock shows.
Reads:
12:33
